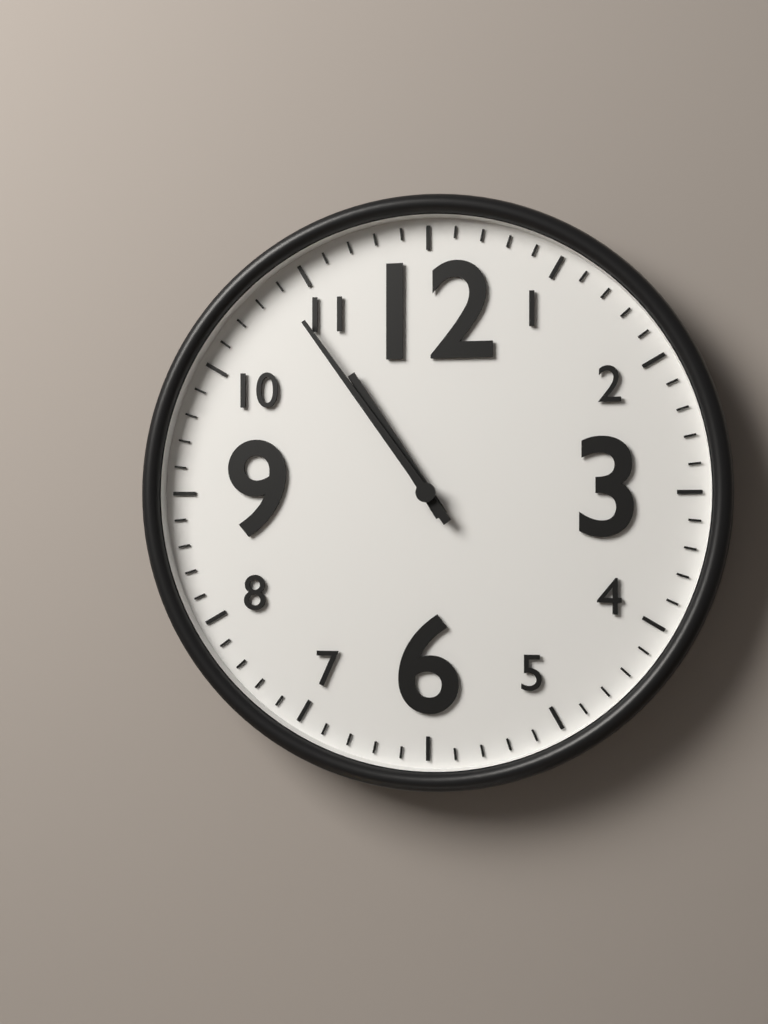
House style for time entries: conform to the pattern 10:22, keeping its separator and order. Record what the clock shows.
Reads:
10:54
